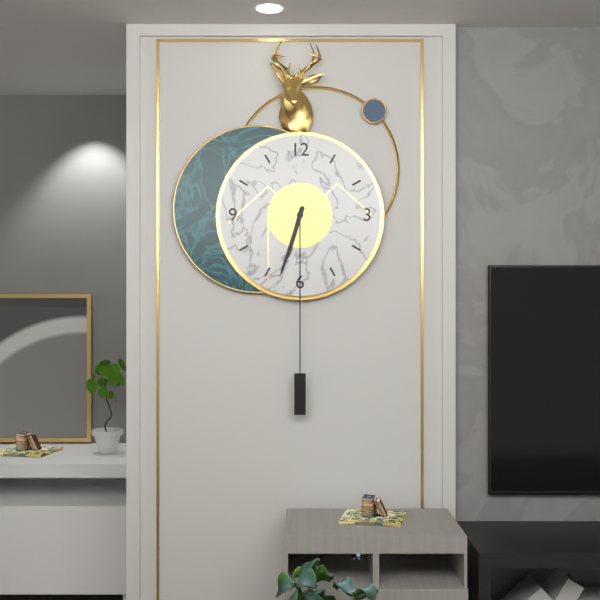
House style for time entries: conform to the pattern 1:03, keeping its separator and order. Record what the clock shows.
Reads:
6:33
